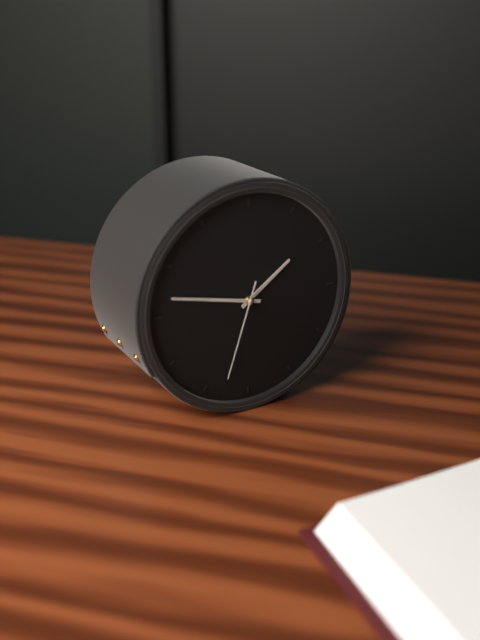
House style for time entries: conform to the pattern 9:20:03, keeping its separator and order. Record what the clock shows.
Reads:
1:47:33
